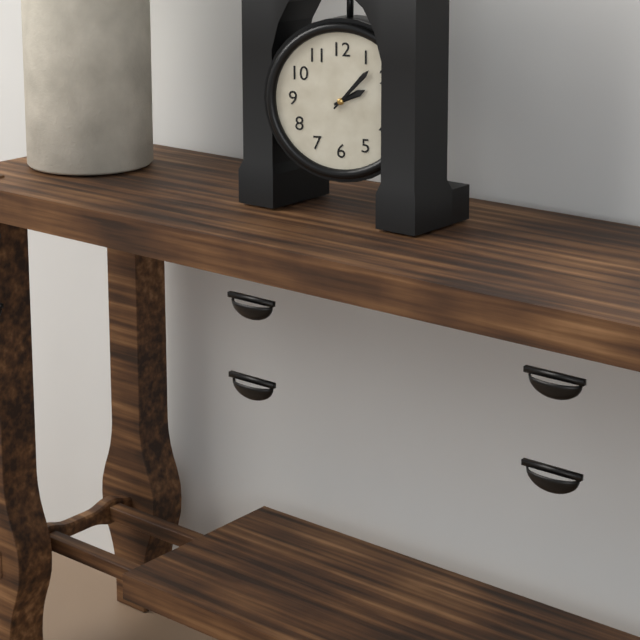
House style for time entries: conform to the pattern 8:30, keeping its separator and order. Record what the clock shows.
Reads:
2:07
